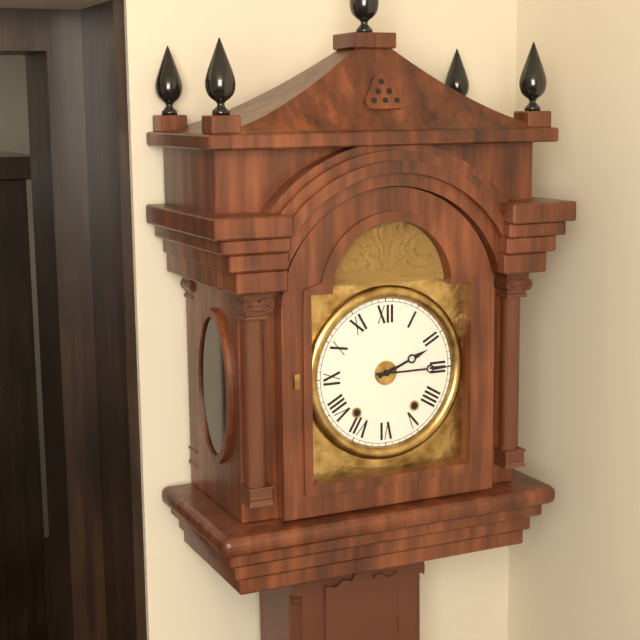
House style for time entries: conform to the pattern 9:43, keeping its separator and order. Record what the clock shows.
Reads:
2:15
